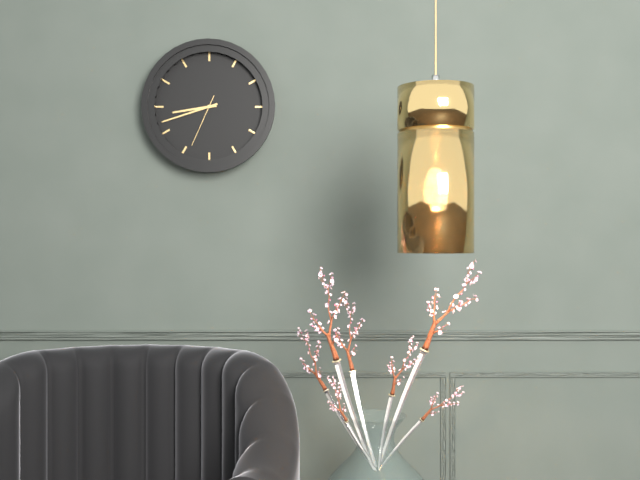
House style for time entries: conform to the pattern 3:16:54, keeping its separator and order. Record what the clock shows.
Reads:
8:42:34
